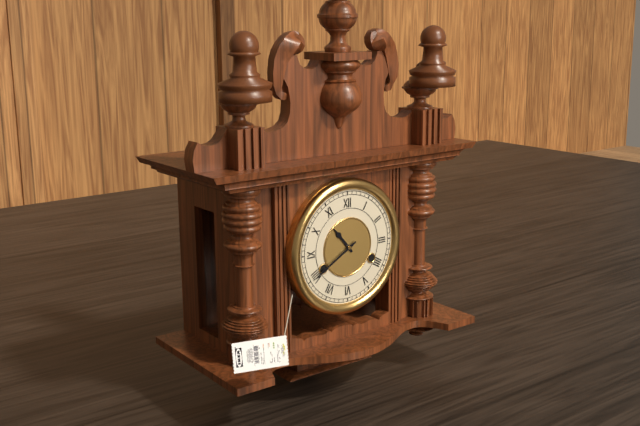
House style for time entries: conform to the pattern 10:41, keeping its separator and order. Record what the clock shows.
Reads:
10:40
